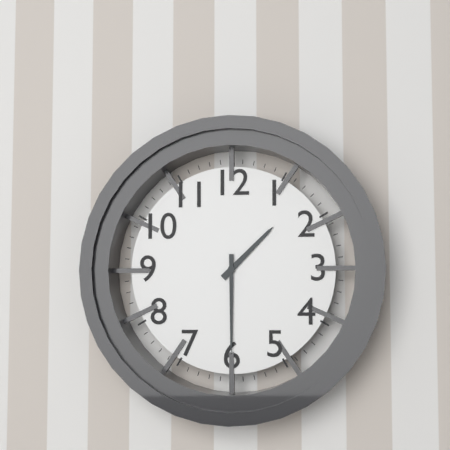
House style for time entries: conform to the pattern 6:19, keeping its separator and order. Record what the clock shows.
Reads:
1:30
